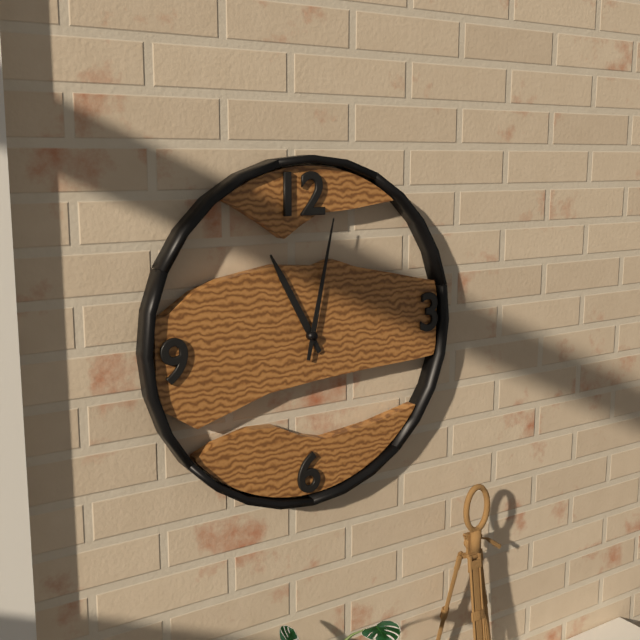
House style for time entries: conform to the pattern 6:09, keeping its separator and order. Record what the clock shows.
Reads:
11:02
